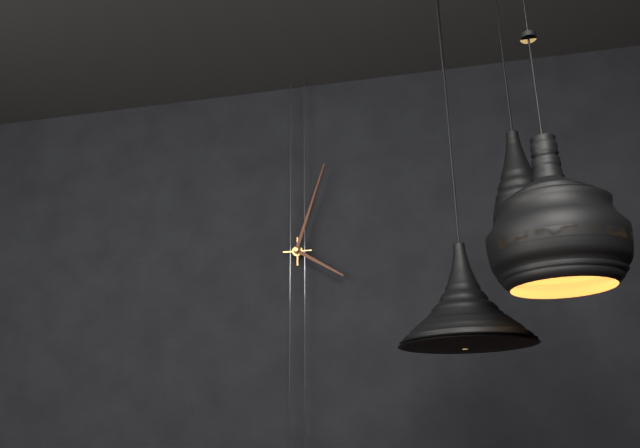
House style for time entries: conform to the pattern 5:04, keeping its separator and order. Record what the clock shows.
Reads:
4:03
